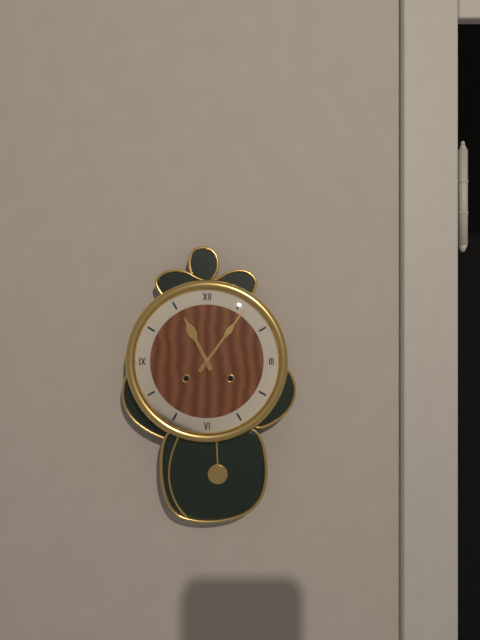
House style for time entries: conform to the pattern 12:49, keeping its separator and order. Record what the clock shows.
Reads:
11:06
